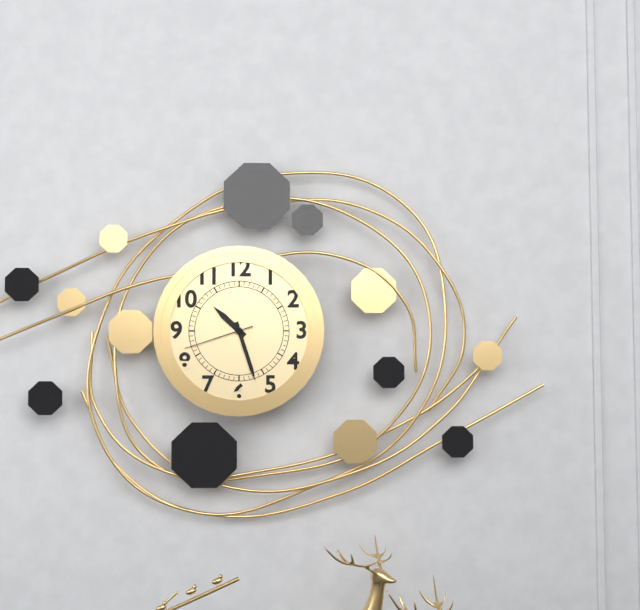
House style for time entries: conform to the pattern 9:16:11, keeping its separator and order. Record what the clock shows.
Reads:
10:27:42
